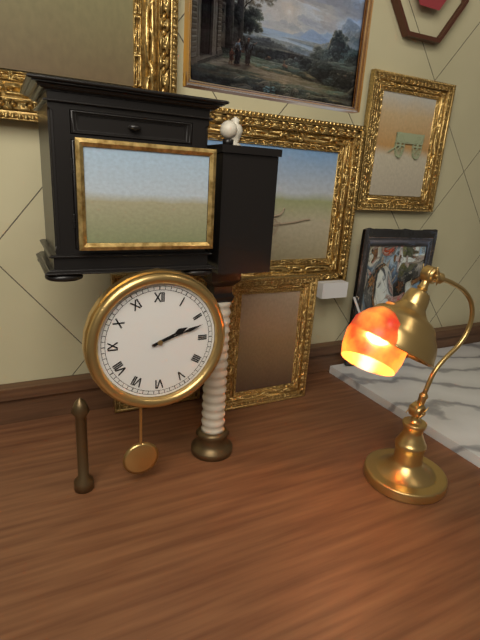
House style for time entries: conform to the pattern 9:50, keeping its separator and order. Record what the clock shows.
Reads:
2:12
